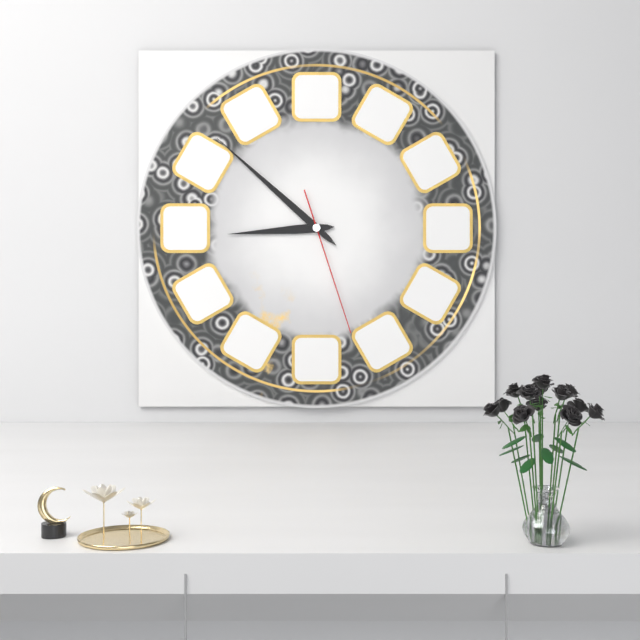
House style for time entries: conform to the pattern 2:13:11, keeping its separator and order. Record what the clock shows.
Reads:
8:52:27
